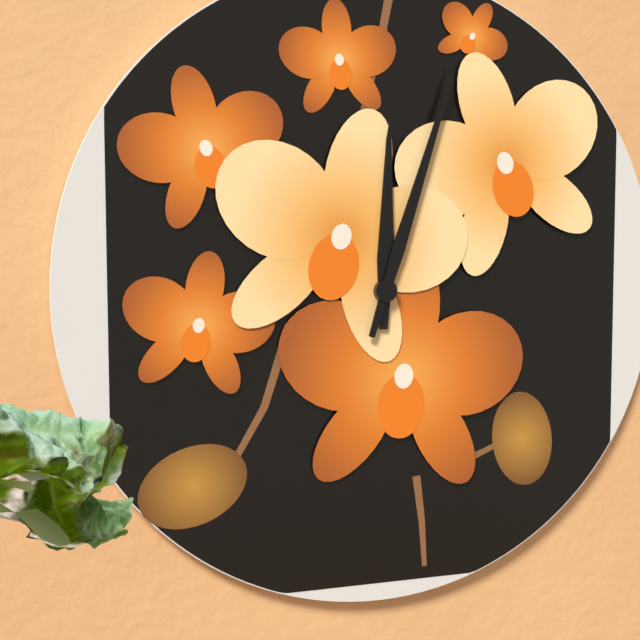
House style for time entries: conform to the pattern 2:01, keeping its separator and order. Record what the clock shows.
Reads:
12:03
